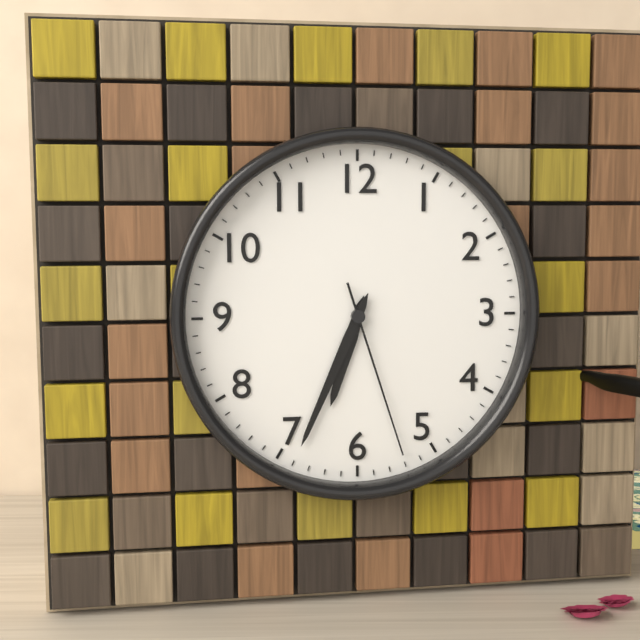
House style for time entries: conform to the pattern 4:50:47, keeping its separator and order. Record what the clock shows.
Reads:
6:34:27
